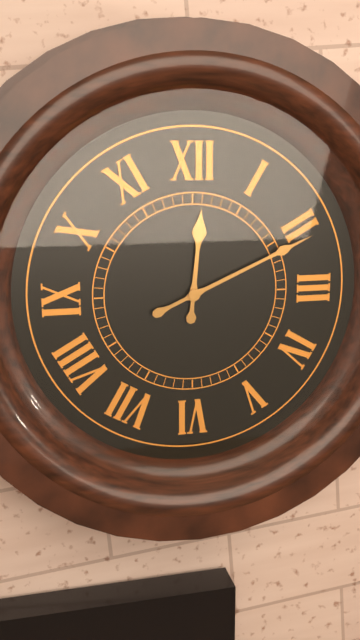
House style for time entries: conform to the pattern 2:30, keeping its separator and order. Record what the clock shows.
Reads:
12:11
